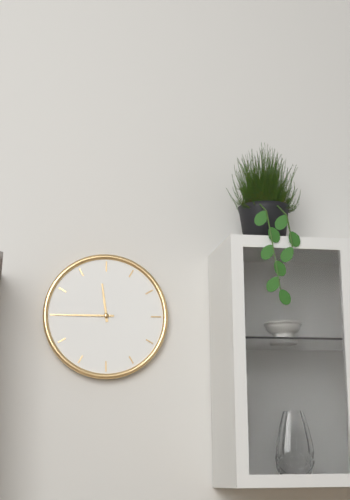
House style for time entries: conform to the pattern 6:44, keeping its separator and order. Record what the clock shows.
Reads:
11:45
